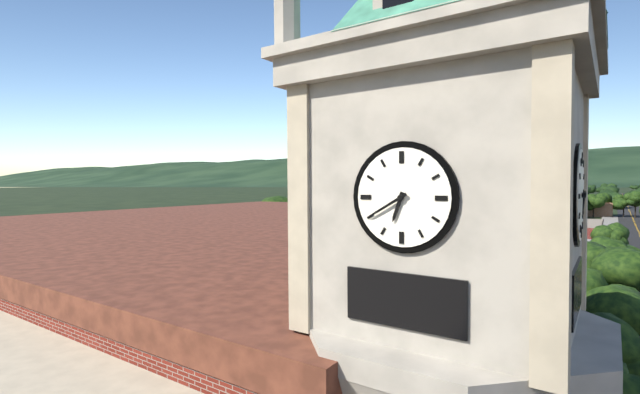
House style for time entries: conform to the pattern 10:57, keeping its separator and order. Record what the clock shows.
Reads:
6:40
